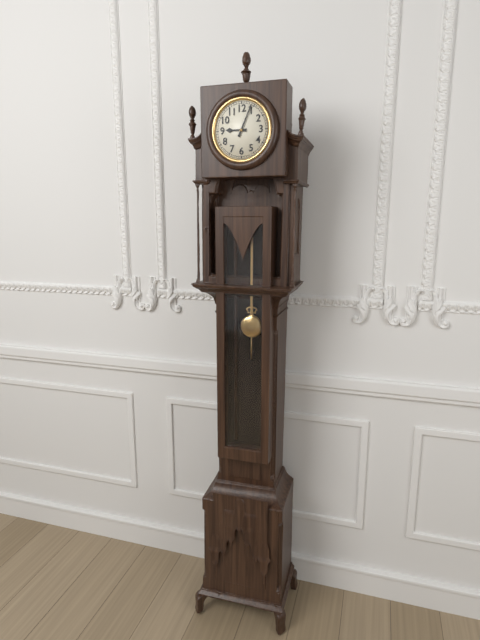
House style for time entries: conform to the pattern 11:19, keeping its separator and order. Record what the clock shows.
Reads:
9:04
